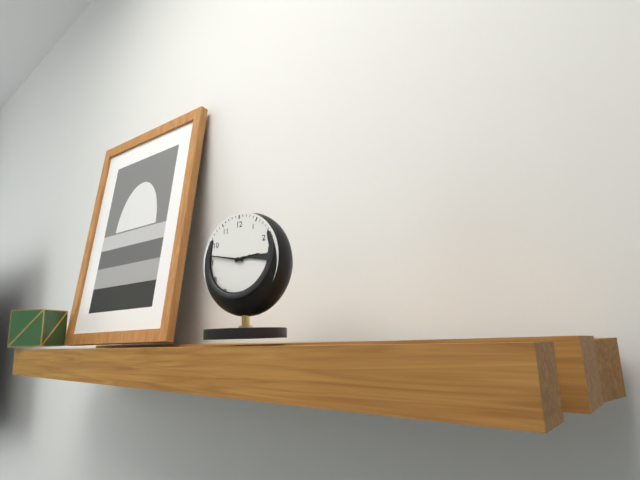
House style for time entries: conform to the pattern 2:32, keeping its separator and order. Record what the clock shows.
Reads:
2:47
